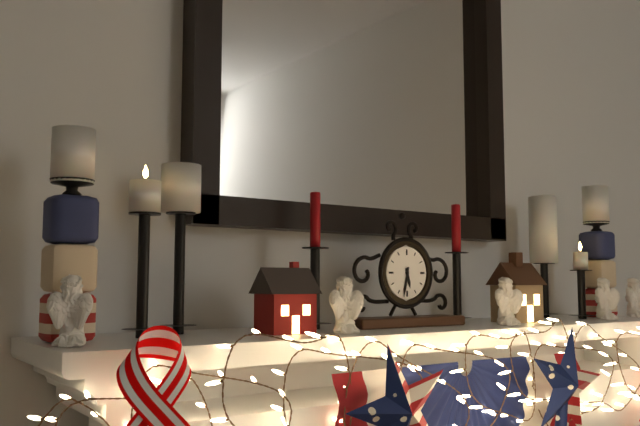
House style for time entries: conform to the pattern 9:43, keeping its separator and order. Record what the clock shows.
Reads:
5:32
